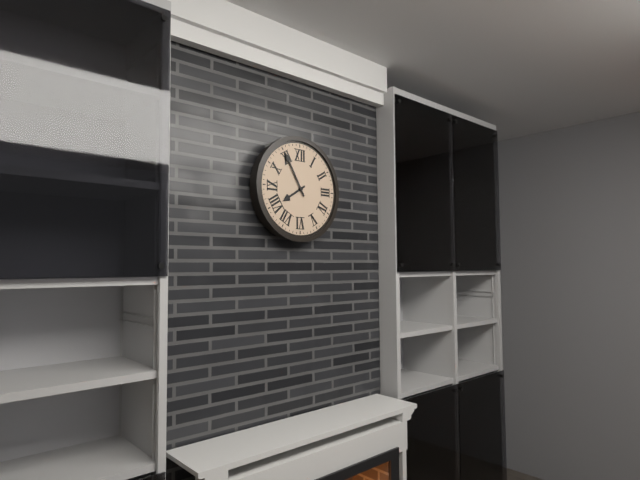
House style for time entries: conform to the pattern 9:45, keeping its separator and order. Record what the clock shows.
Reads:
7:55
